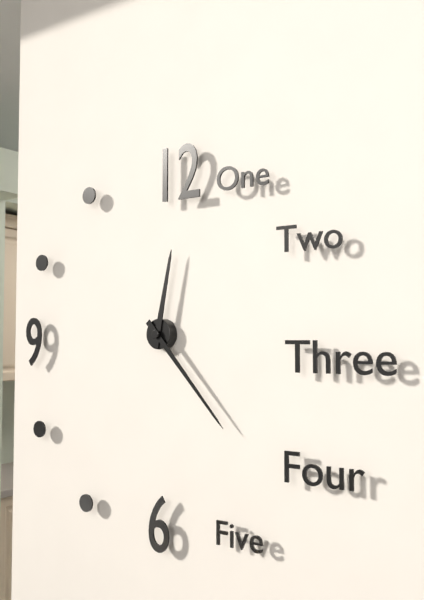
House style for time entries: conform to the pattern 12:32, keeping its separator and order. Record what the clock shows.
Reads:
12:23
